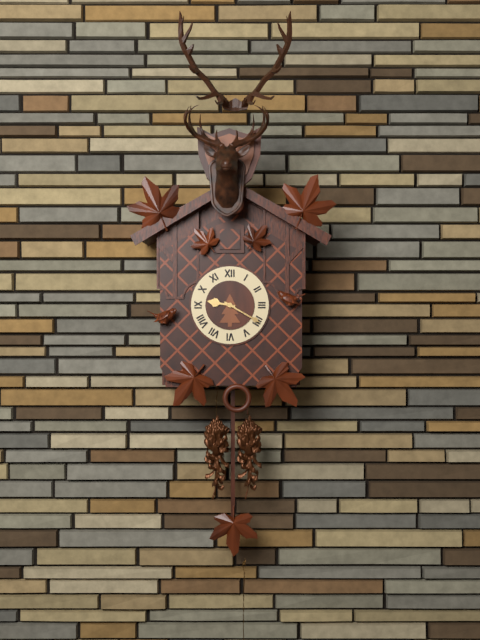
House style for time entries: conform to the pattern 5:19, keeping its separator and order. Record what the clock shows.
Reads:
9:20
